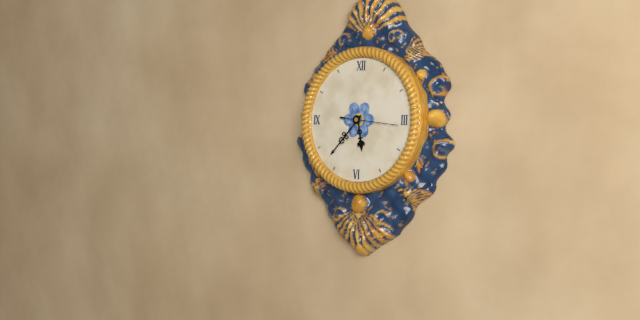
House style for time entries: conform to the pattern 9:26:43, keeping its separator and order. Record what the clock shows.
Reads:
5:37:16
